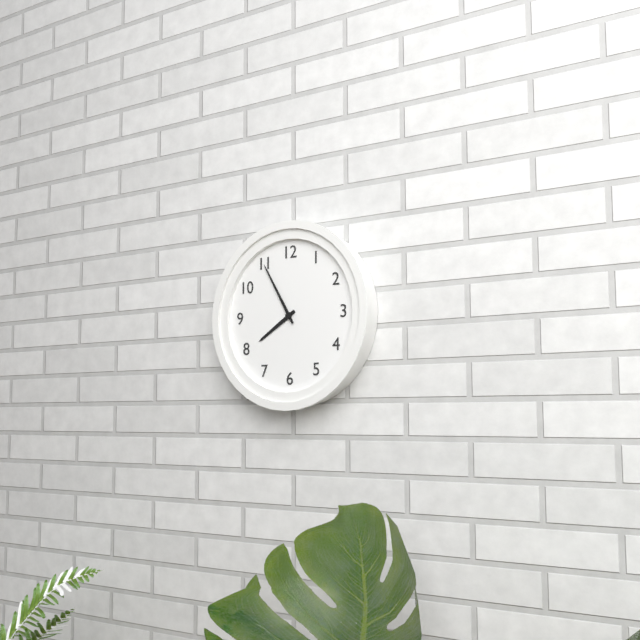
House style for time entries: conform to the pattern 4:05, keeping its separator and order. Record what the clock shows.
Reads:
7:55
